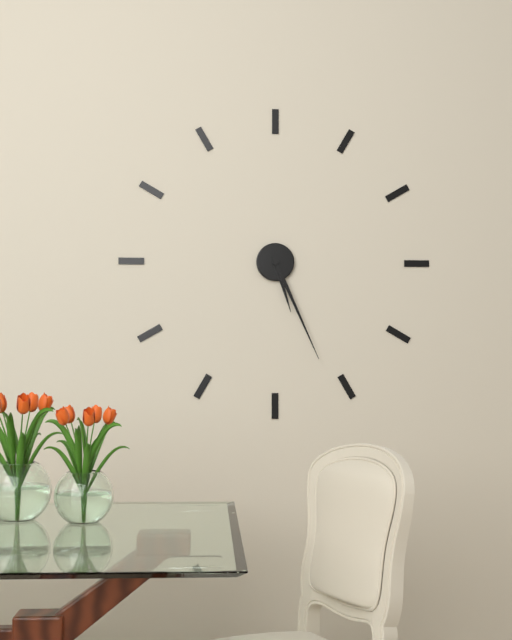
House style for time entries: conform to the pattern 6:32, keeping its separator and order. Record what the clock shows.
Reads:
5:26
